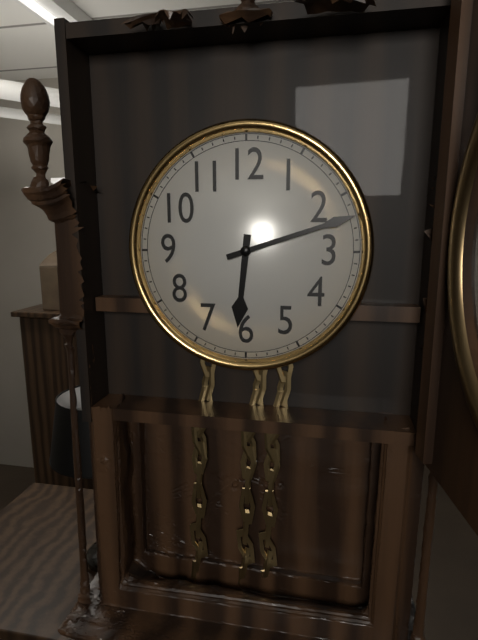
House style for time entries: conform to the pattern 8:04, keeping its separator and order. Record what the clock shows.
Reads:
6:12
